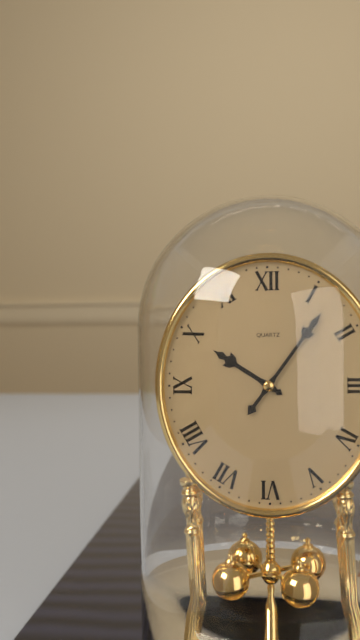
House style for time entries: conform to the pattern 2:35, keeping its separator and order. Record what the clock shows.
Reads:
10:06
